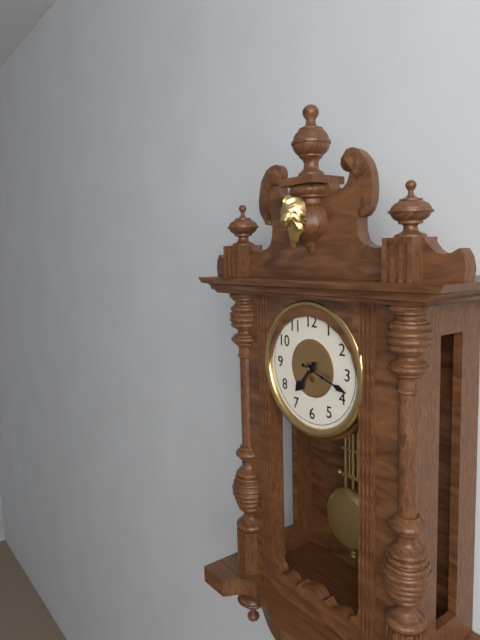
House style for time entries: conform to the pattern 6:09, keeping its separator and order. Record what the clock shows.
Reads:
7:18
